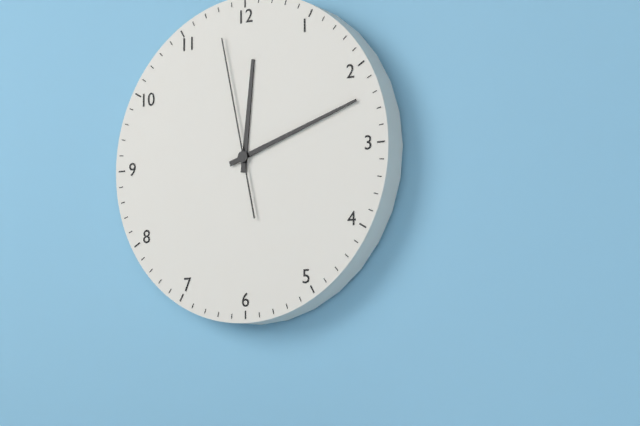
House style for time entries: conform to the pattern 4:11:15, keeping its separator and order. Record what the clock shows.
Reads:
12:12:58
